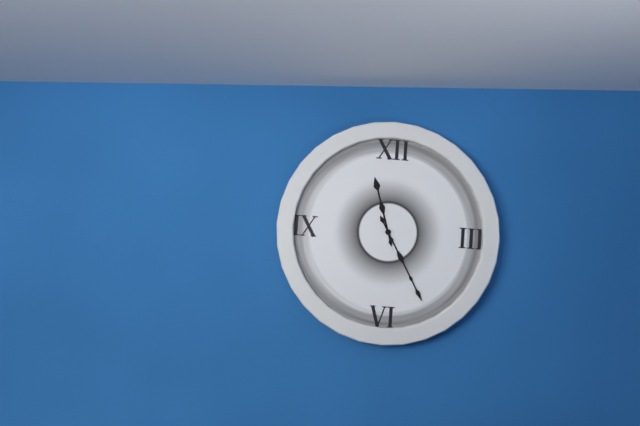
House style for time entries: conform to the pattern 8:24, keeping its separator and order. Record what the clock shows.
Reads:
11:25
